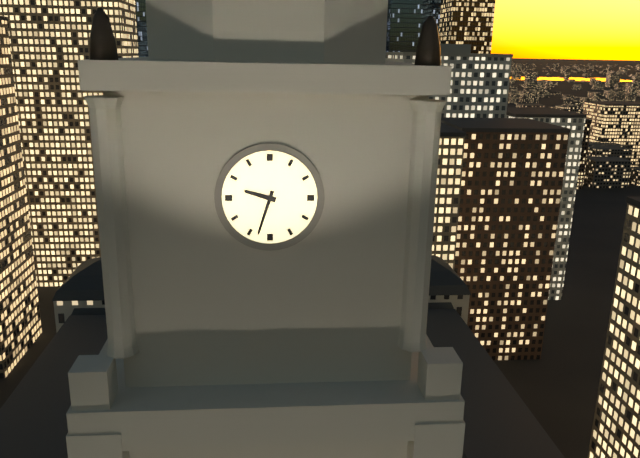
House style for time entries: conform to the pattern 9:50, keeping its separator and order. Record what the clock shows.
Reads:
9:33
